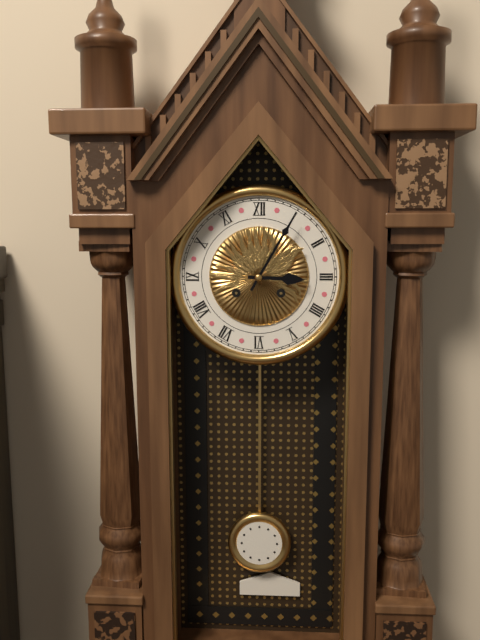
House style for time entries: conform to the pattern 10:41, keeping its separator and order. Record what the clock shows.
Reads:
3:05
